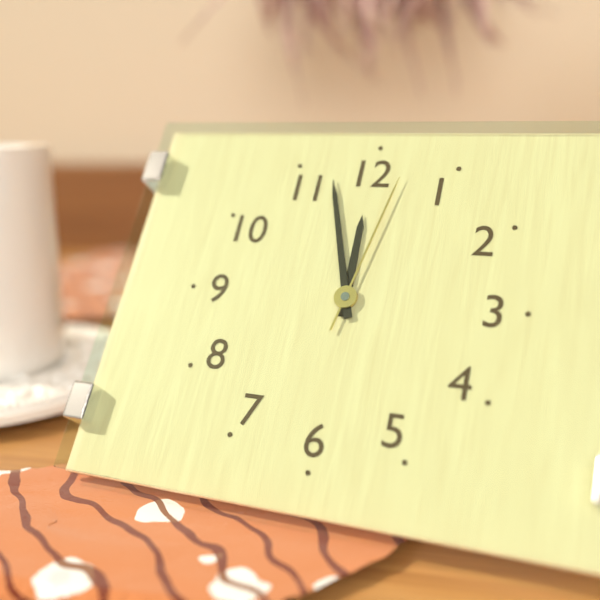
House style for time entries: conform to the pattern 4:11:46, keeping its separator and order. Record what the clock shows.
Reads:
11:57:02
